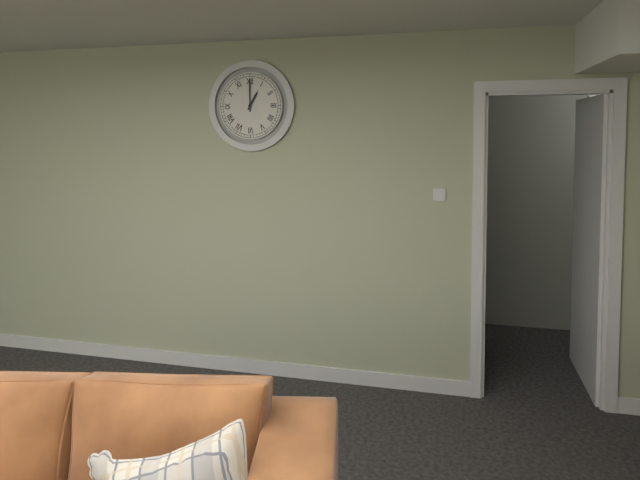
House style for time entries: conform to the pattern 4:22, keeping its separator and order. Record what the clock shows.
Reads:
1:00
